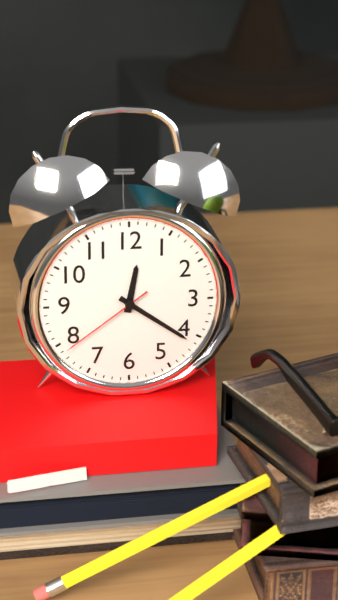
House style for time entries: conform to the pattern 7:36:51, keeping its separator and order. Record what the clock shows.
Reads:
12:21:39
